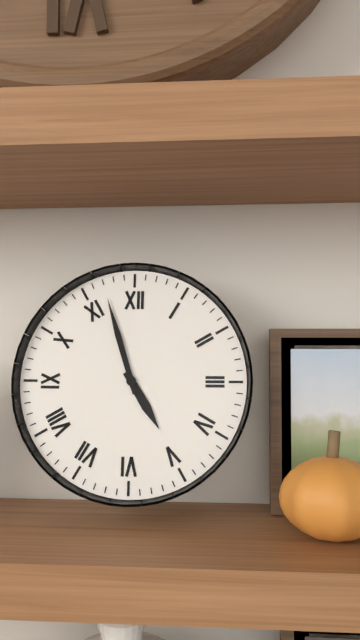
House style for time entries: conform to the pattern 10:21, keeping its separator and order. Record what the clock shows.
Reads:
4:57
